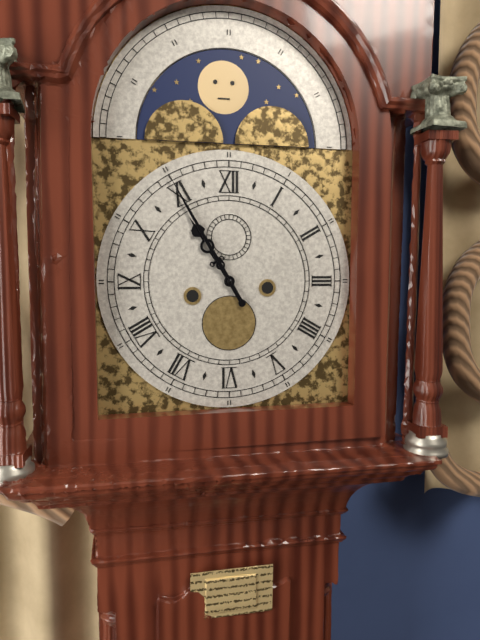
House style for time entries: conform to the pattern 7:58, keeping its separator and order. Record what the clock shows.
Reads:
10:55
